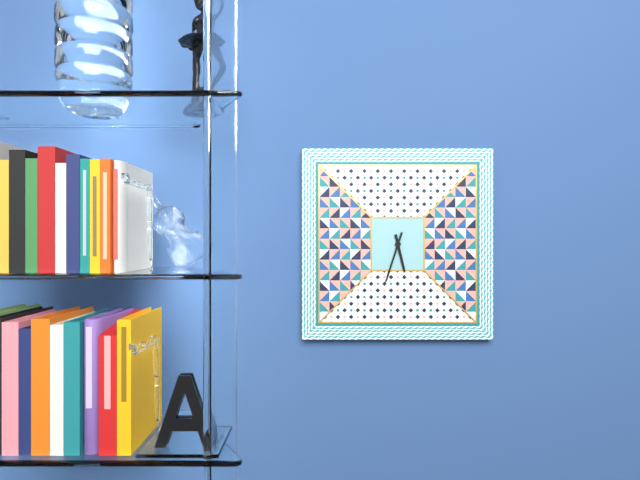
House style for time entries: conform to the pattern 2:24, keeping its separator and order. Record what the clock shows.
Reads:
5:33
